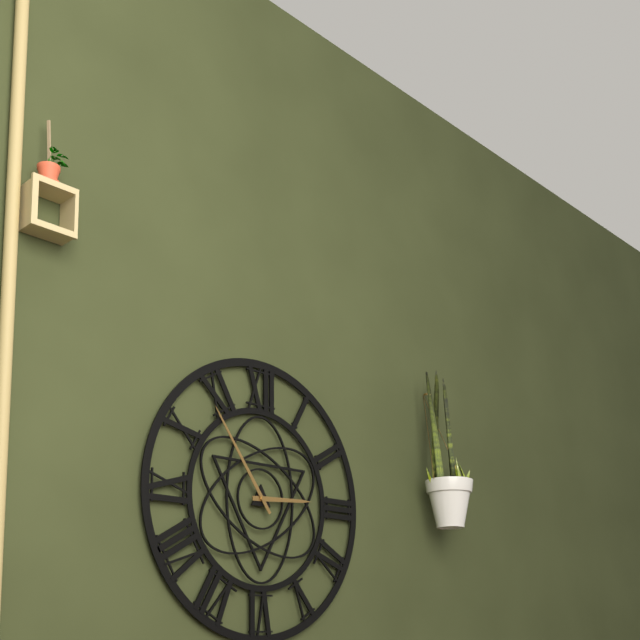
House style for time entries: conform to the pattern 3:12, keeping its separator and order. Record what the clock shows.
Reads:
2:54
